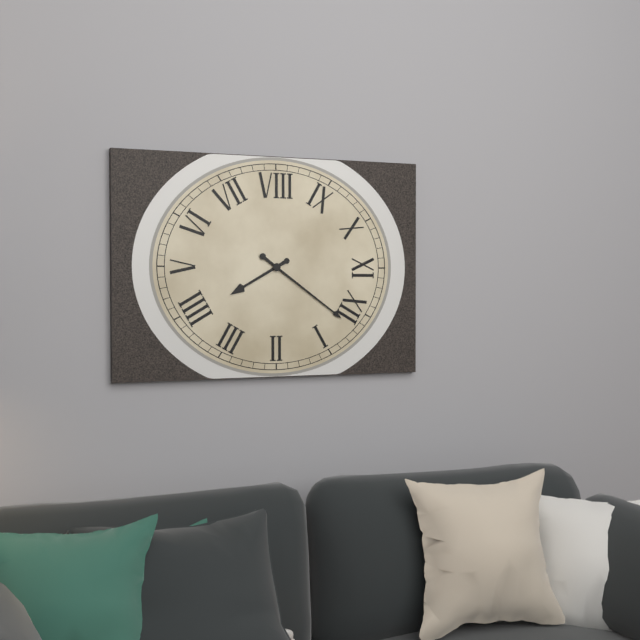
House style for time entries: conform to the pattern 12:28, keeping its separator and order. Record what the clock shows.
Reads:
4:01
